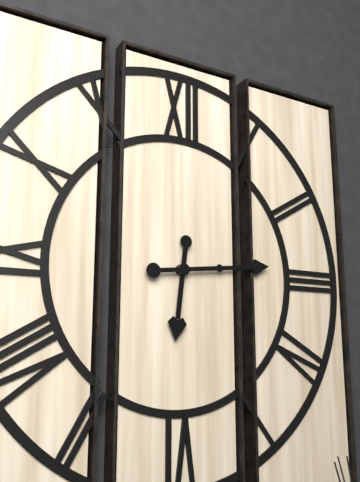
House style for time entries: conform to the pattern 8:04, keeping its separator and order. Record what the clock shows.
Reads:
6:14
